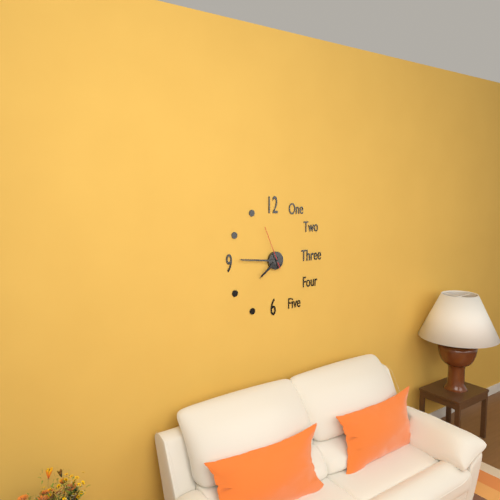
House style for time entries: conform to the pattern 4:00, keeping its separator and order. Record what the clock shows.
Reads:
7:46
